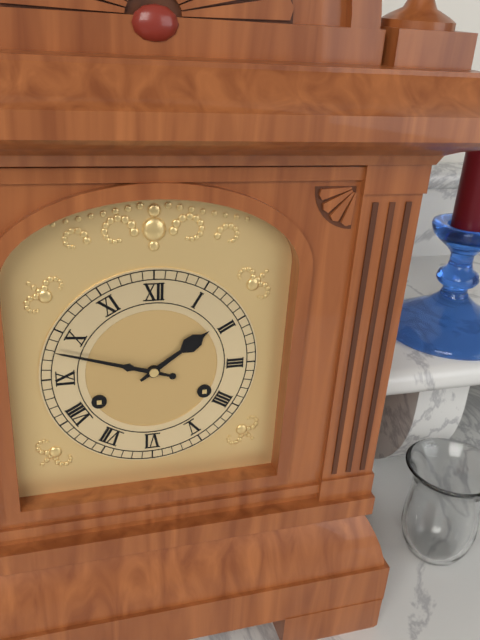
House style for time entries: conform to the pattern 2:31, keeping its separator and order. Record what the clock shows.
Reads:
1:48
